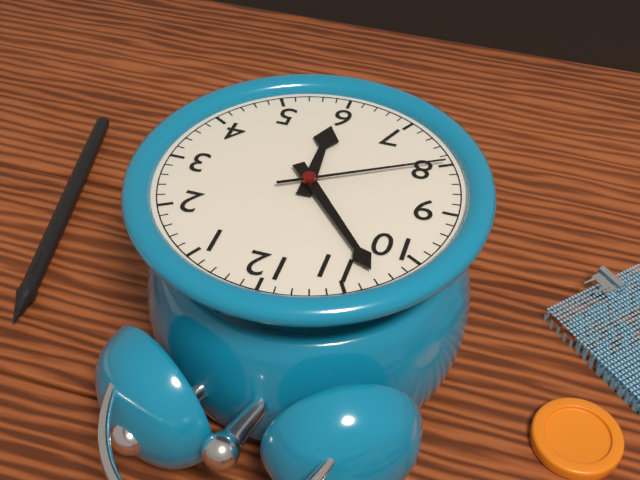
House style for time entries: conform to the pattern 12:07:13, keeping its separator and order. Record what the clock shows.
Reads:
5:53:40
